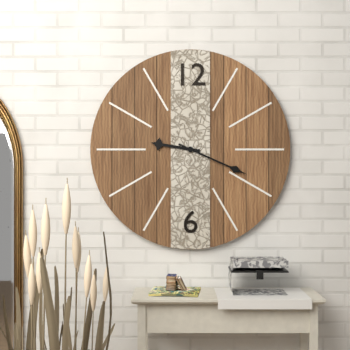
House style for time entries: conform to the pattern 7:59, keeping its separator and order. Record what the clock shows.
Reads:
9:19
